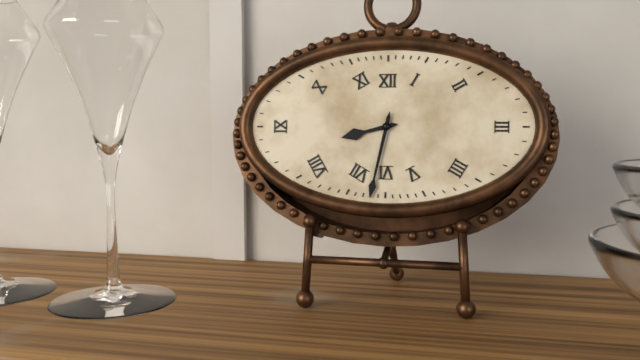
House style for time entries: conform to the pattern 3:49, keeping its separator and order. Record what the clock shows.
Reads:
8:32
